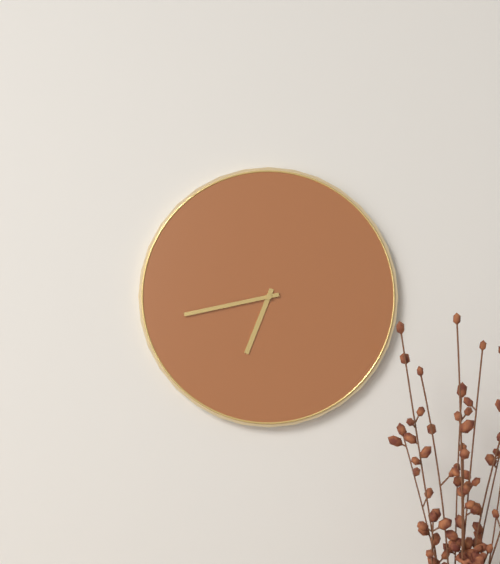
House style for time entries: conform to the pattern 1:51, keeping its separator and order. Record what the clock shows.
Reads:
6:43
